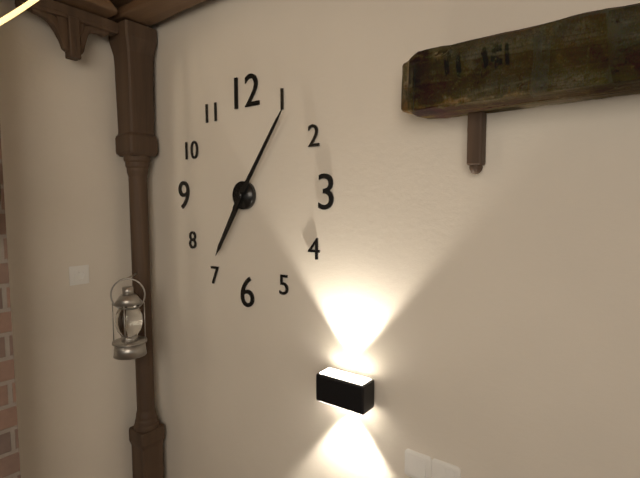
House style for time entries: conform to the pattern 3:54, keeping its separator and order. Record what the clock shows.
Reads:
7:06
